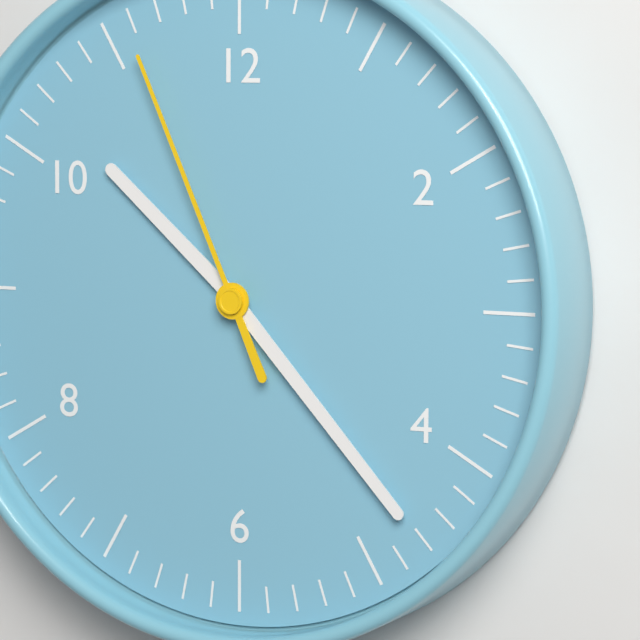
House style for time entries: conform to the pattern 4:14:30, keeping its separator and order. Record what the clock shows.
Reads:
10:23:56
